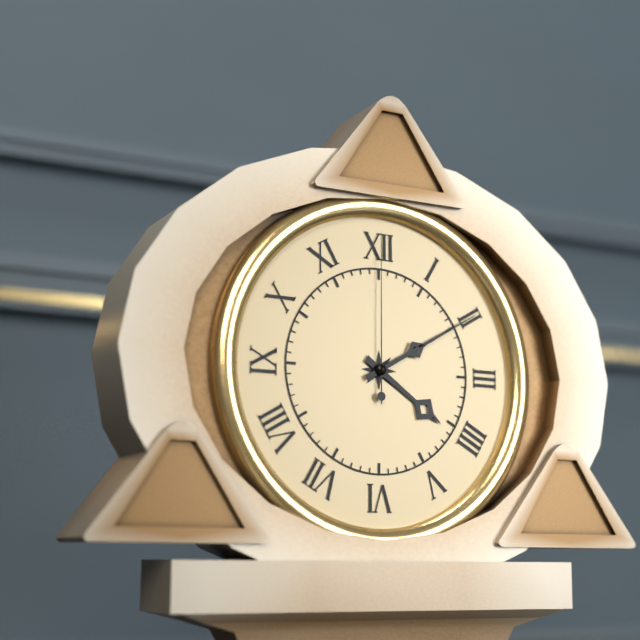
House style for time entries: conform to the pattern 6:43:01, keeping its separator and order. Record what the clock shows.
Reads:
4:10:00
